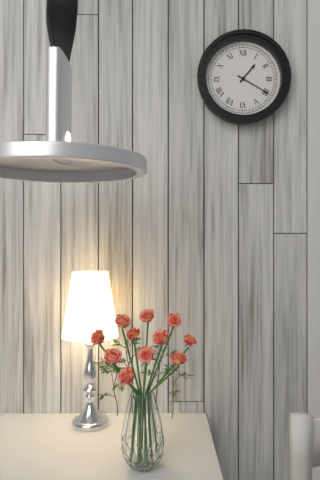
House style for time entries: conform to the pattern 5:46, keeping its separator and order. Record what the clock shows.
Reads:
1:20
